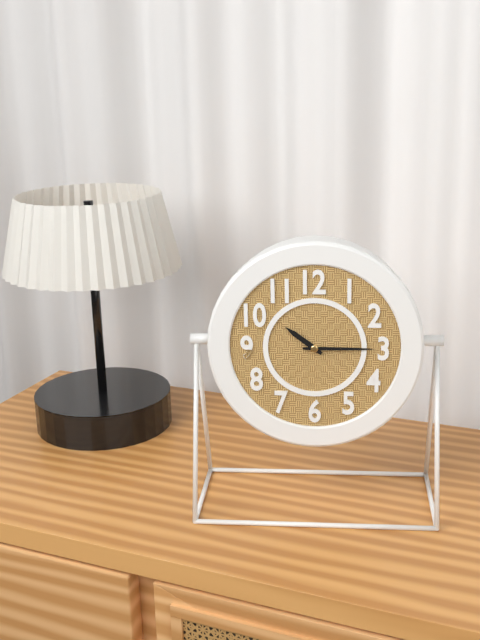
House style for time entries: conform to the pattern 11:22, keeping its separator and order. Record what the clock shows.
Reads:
10:15
